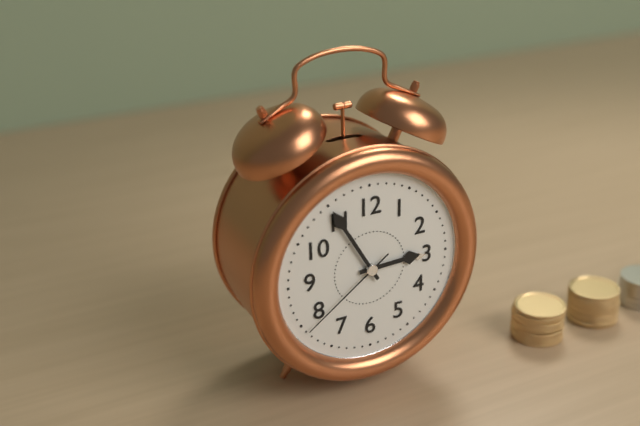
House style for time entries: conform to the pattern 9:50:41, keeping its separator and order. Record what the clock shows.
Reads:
2:55:39
